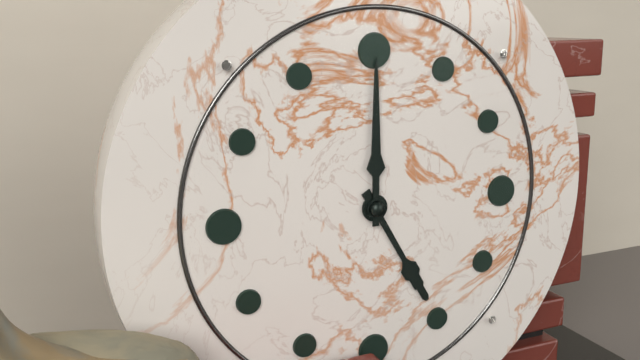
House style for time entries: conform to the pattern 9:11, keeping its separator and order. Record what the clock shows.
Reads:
5:00
